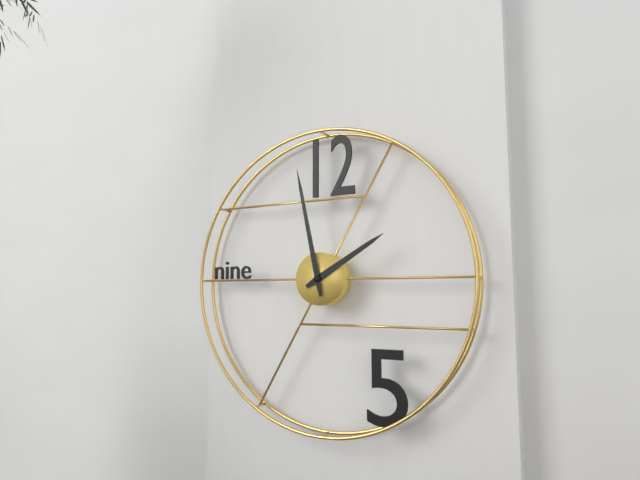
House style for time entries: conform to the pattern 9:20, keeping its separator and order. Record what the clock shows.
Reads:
1:58
